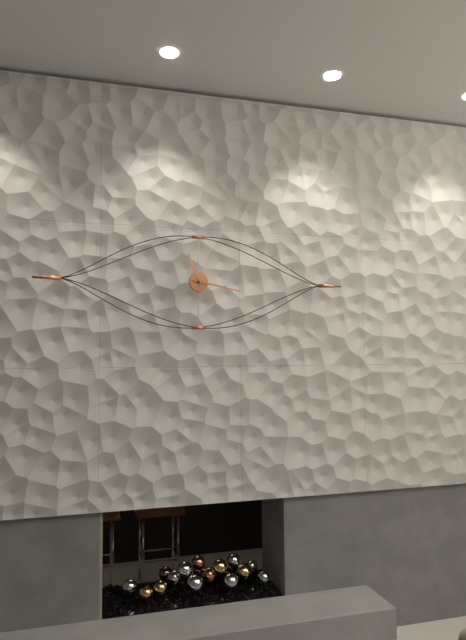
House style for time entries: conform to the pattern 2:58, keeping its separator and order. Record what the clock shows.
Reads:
11:17
